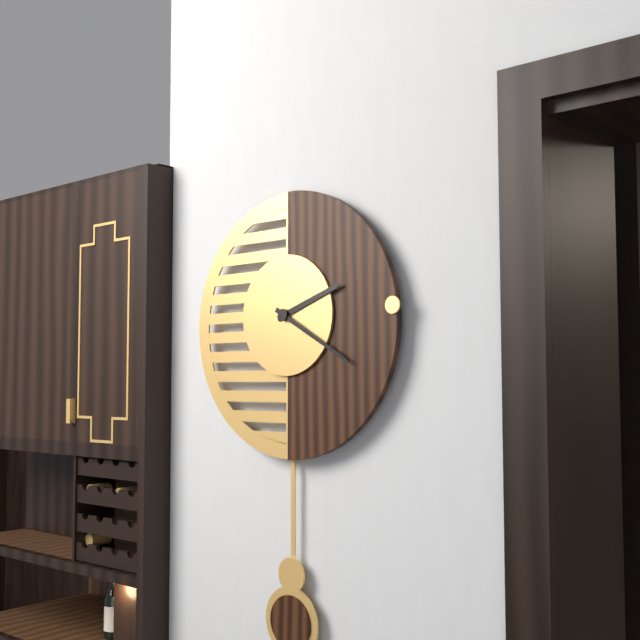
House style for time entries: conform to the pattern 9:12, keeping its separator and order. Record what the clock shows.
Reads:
2:20
